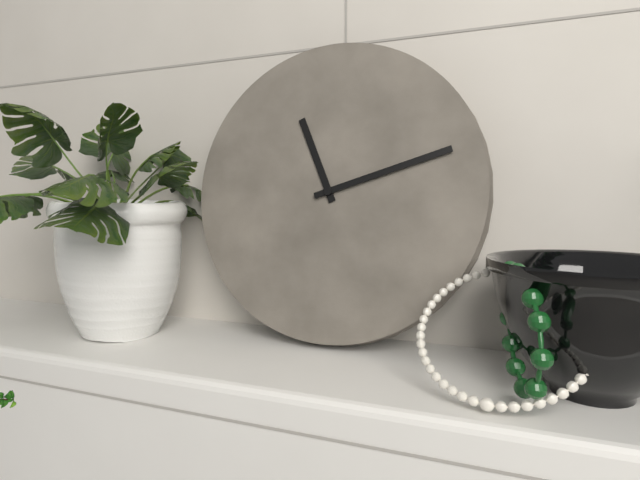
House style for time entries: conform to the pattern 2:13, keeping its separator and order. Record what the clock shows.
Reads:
11:12
